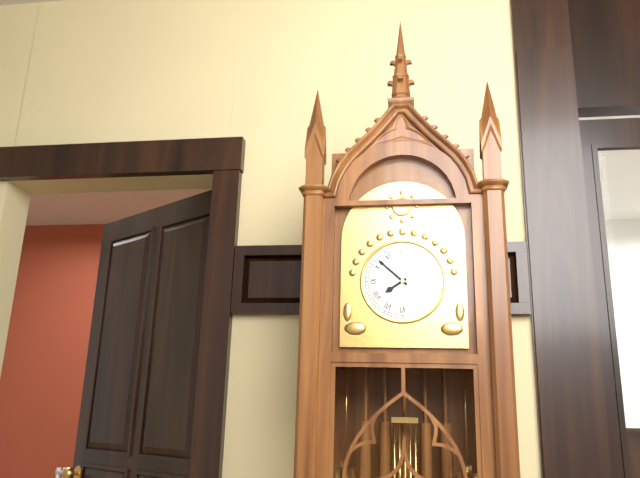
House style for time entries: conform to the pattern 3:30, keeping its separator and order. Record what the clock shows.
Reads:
7:52
